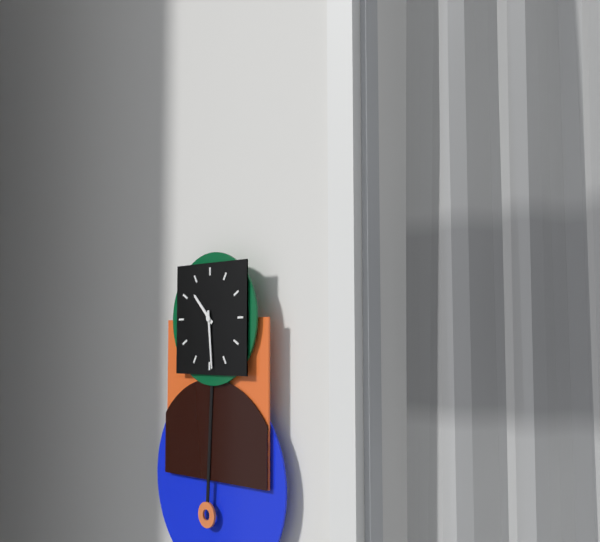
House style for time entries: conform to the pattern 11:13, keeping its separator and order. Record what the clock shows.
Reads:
10:29
